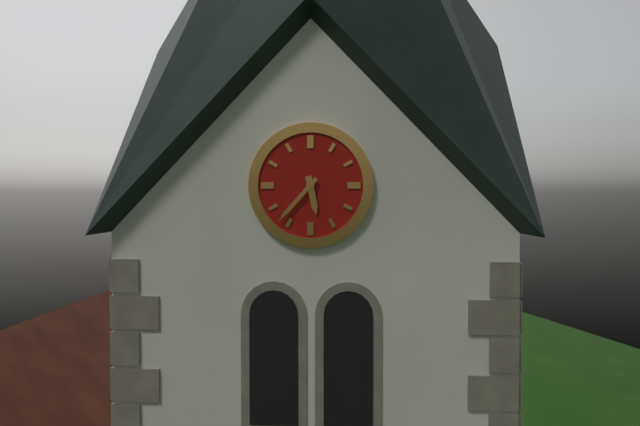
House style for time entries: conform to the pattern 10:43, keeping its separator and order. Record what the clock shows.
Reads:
5:37
